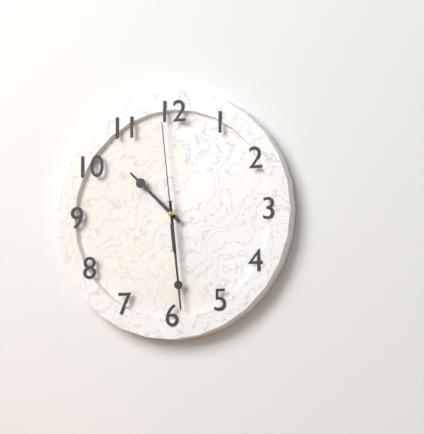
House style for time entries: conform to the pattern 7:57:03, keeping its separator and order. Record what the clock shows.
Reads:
10:29:59
